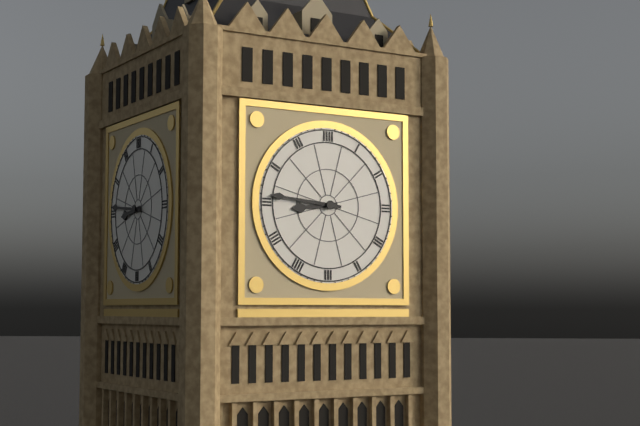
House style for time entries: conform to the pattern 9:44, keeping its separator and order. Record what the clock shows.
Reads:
8:46
